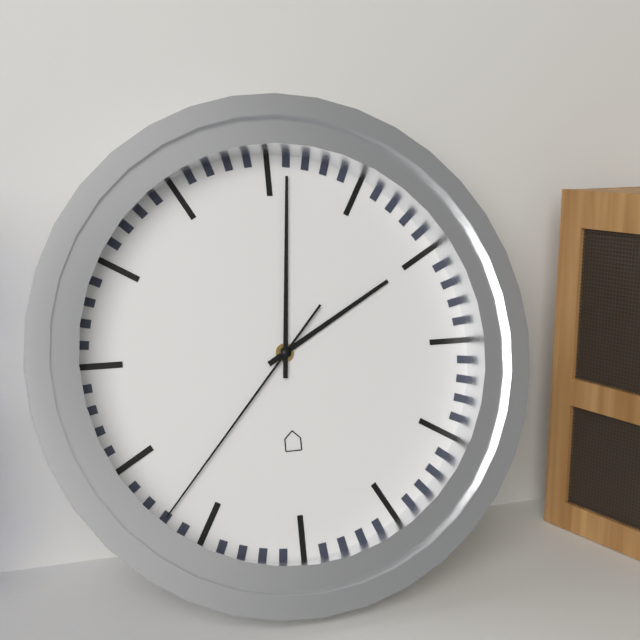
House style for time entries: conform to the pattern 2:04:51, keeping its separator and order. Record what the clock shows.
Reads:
2:01:37
